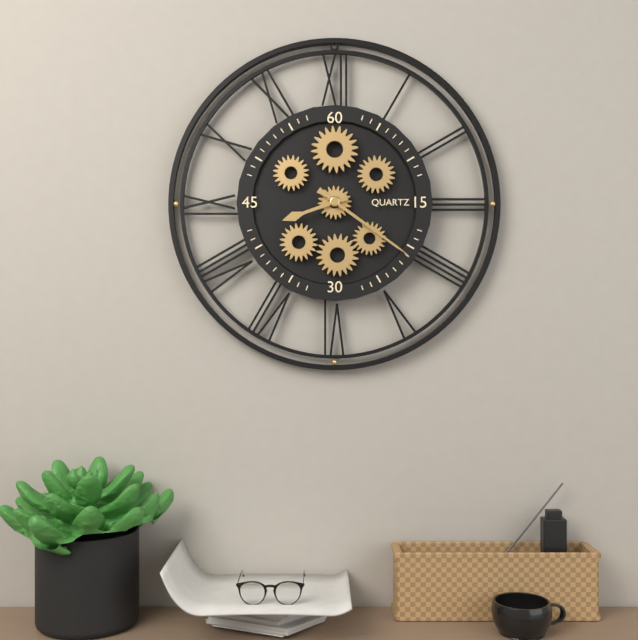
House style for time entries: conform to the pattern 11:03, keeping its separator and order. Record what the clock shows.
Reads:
8:21
